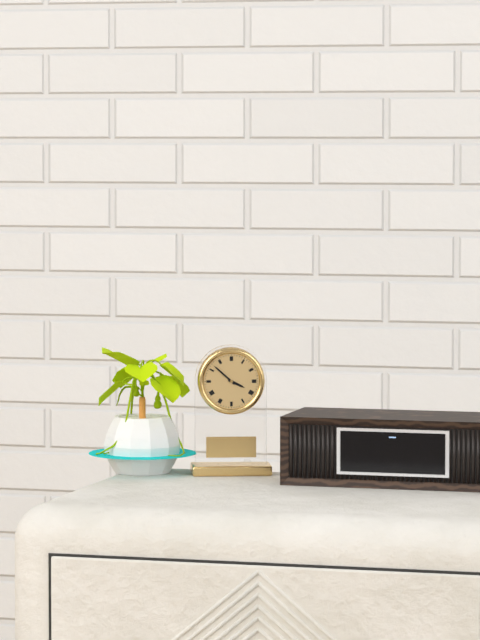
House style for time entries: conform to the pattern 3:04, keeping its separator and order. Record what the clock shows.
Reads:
3:52
